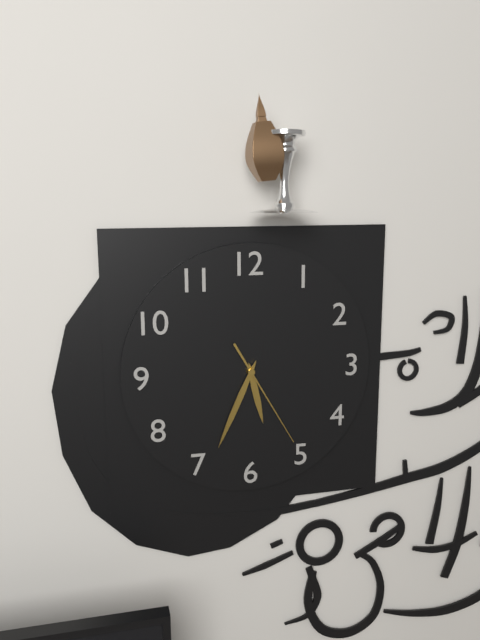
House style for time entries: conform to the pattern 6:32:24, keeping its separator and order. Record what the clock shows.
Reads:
5:34:25
